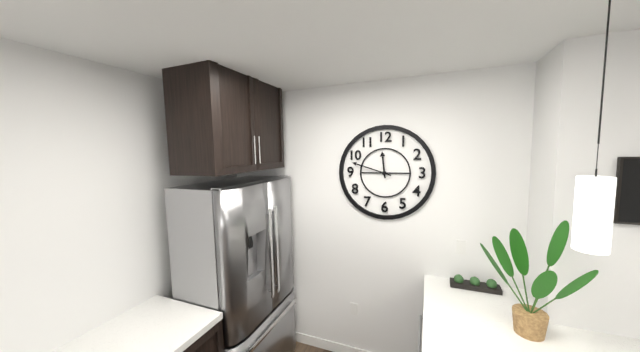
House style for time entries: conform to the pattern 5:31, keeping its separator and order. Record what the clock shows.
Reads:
11:48
